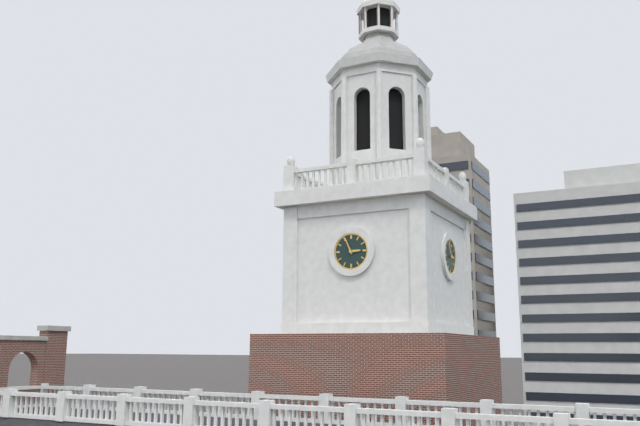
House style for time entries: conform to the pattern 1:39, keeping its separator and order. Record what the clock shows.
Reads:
2:56
